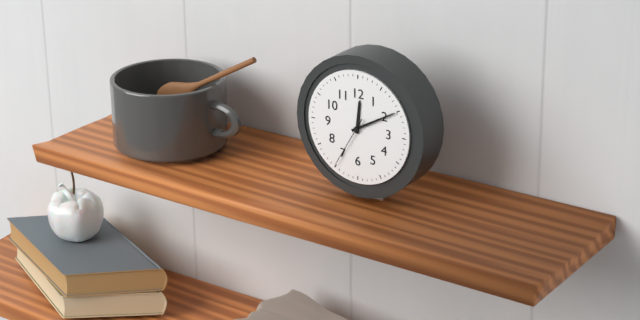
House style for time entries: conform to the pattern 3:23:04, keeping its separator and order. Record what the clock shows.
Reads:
12:10:35
